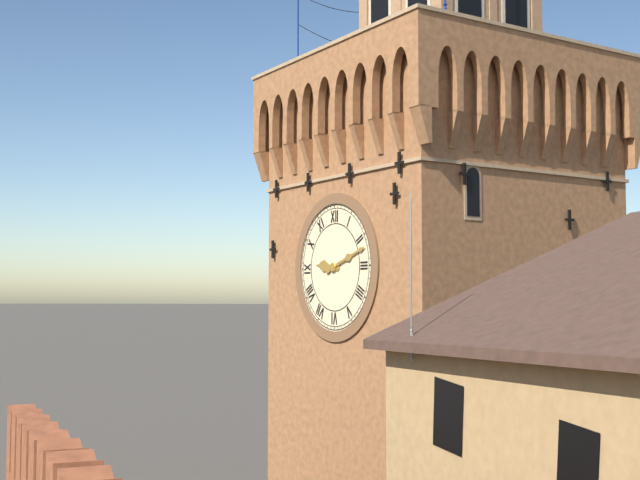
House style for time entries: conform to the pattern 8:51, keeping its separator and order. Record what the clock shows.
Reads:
9:12
